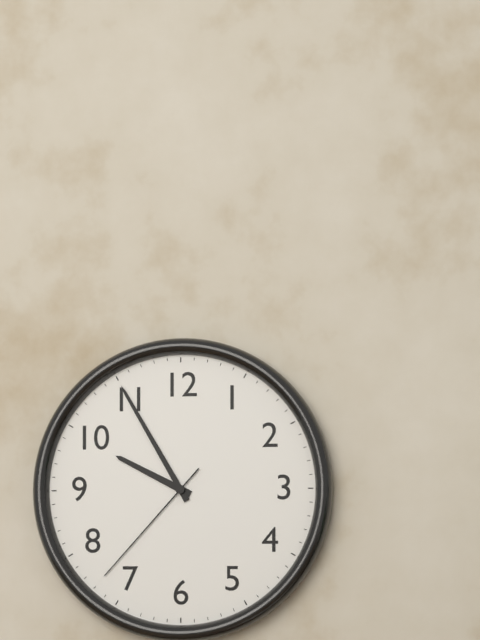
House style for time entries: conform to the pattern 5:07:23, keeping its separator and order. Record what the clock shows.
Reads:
9:55:37
